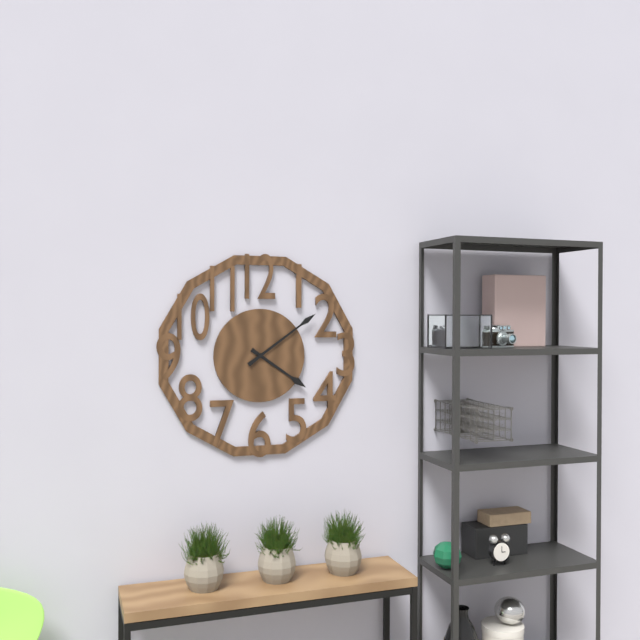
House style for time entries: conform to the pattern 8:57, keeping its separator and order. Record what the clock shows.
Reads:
4:09
